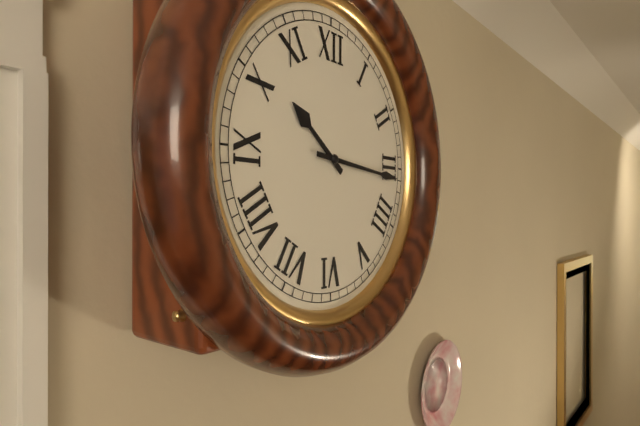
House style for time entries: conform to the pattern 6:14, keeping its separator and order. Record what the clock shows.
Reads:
10:16
